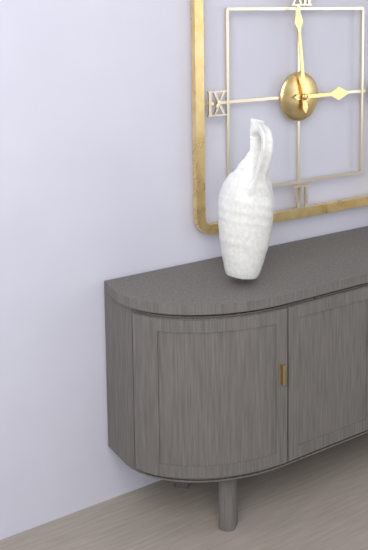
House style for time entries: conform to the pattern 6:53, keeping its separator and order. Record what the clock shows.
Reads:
2:59
